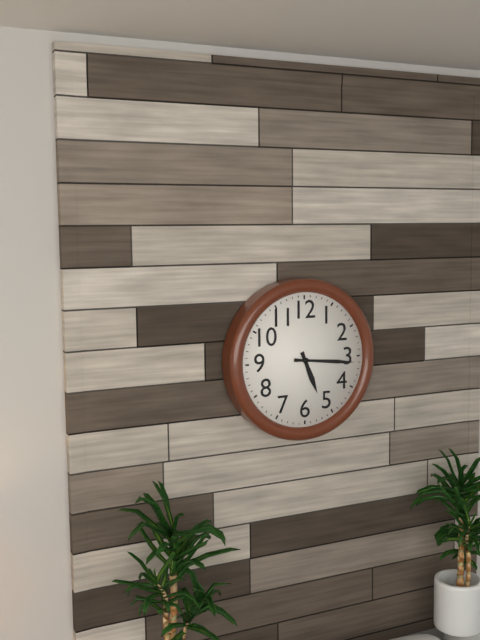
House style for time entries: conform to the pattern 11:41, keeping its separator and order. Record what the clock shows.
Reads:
5:16
